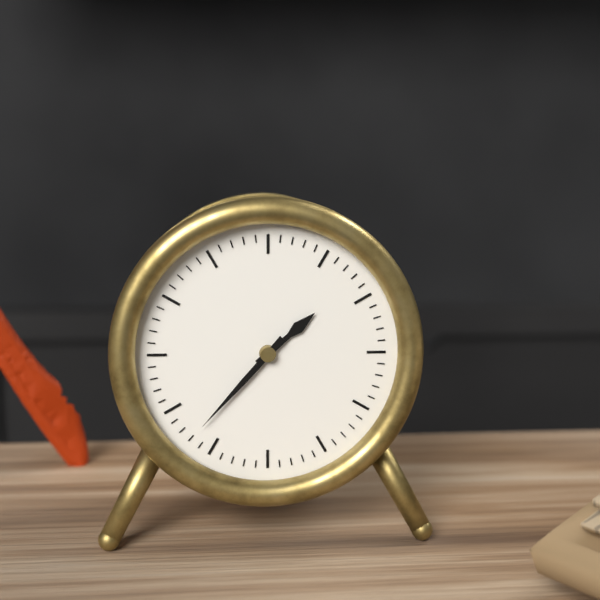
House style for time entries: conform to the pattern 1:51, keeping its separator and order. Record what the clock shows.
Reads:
1:37
